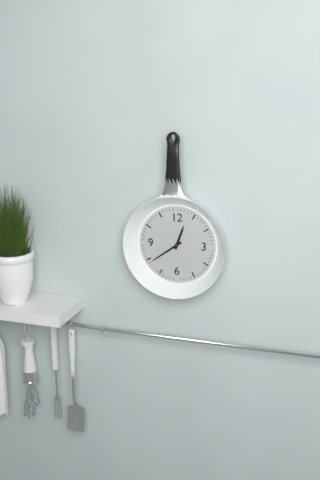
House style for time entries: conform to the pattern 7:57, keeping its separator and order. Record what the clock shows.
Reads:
12:39
